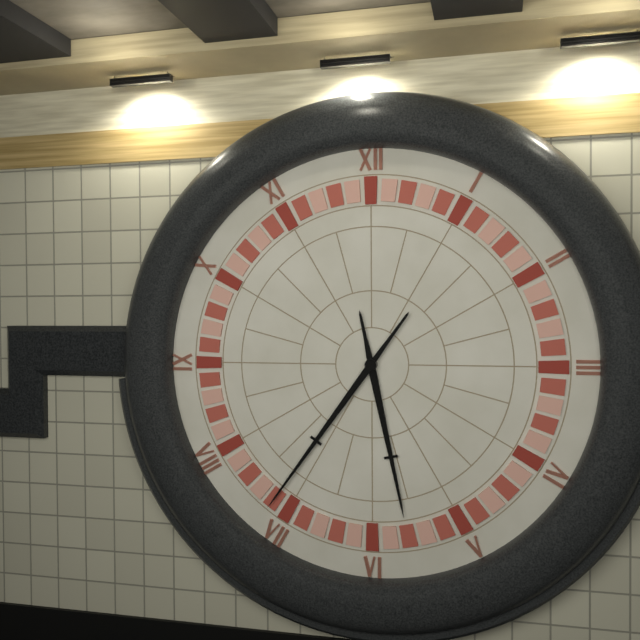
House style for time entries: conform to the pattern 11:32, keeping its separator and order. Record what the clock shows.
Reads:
5:36
